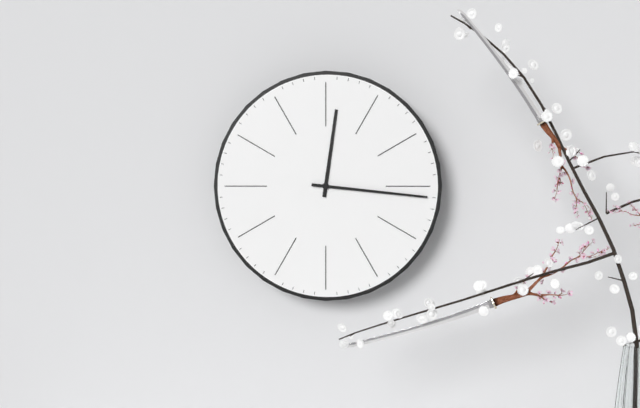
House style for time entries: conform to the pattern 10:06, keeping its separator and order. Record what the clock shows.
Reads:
12:16
